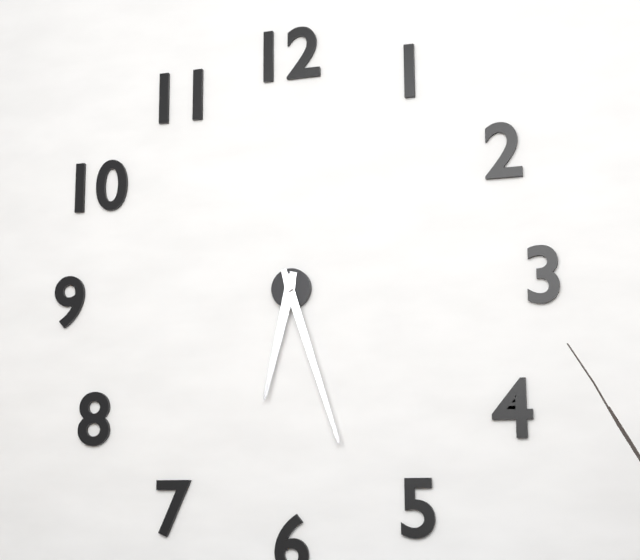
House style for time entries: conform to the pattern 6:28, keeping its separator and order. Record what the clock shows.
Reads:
6:27
